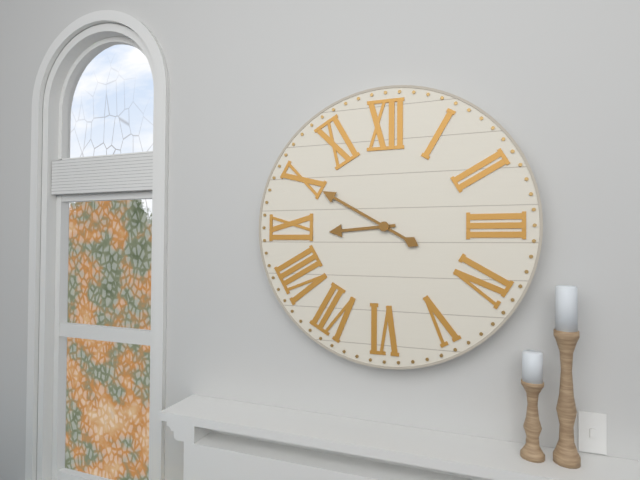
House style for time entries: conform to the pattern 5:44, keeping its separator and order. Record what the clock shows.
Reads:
8:50
